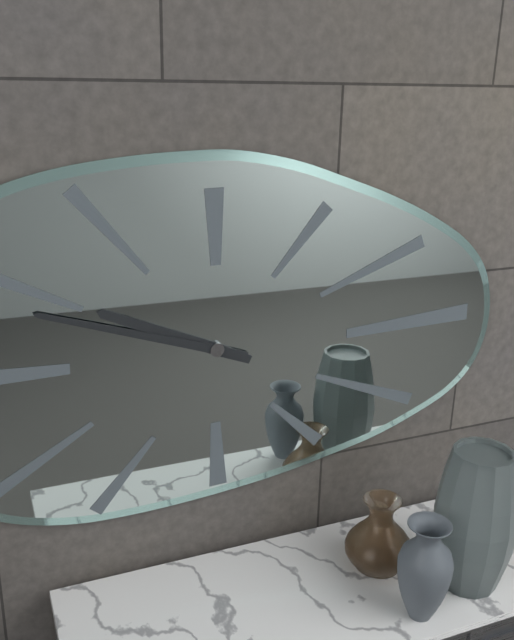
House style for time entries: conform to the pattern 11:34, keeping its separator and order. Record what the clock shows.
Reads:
9:48
